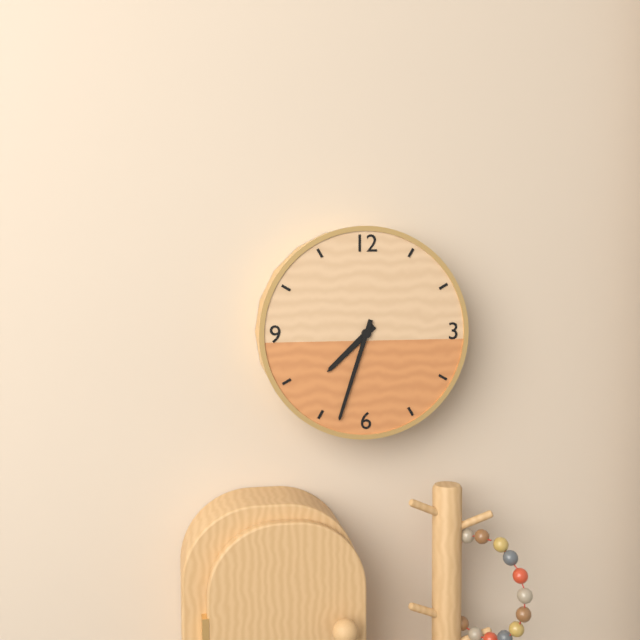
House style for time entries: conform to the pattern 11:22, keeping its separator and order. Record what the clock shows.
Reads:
7:33
